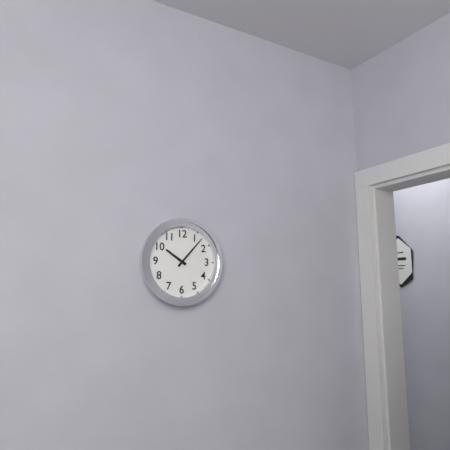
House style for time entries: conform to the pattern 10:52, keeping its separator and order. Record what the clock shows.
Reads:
10:07
